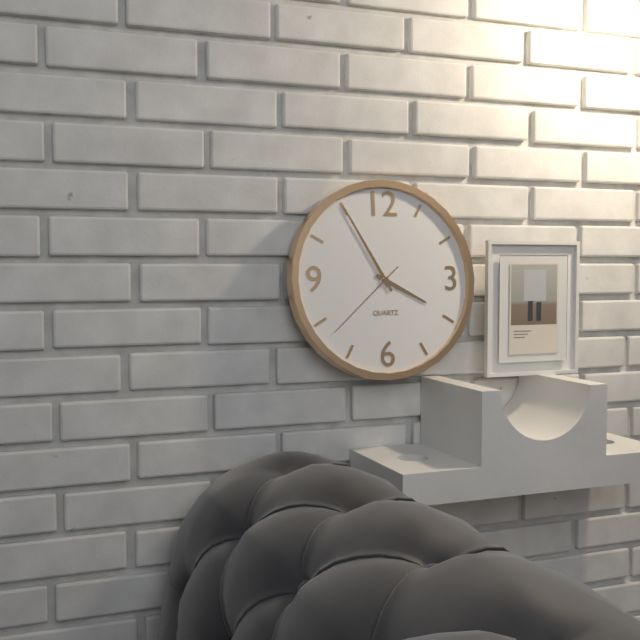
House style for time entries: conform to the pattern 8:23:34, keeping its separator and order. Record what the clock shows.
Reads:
3:55:38
